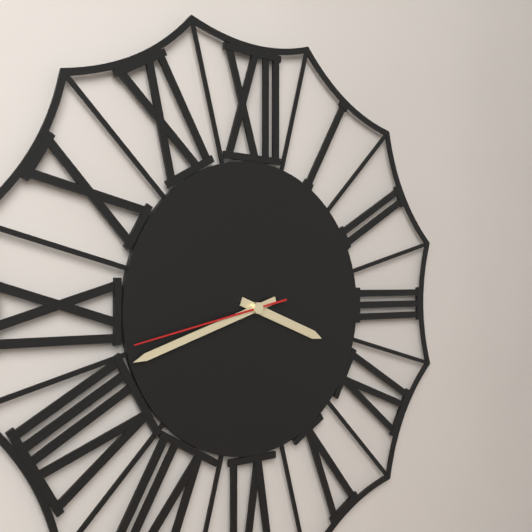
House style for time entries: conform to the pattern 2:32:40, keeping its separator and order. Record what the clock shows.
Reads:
3:42:43
